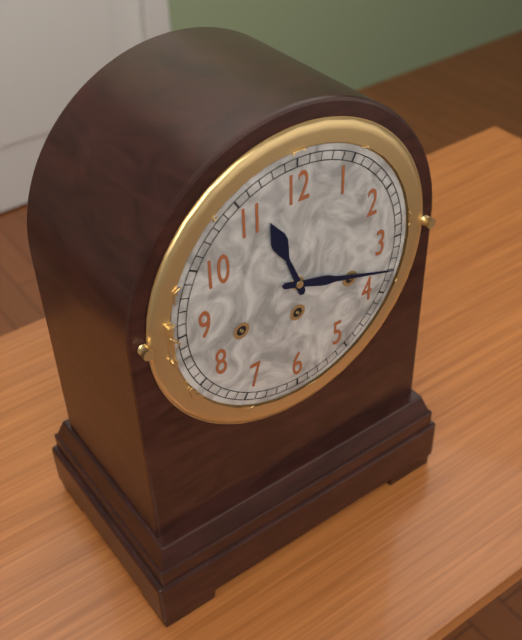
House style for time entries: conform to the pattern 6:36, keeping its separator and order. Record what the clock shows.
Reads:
11:18
